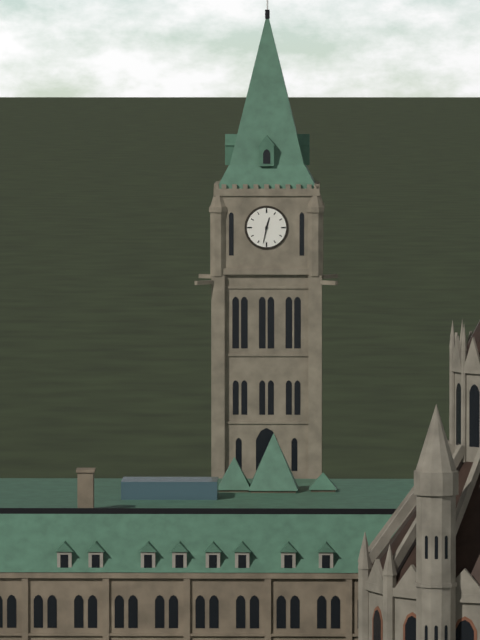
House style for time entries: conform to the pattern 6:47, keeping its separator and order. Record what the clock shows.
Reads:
12:32
